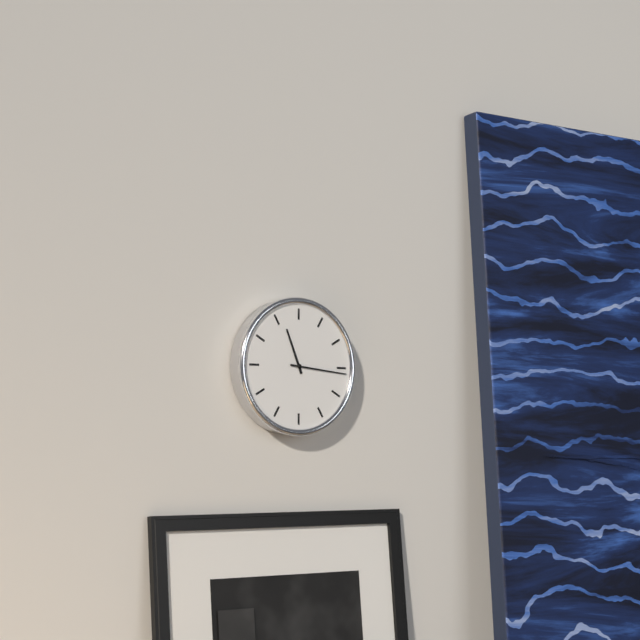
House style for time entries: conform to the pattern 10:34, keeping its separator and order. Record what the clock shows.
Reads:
11:16
